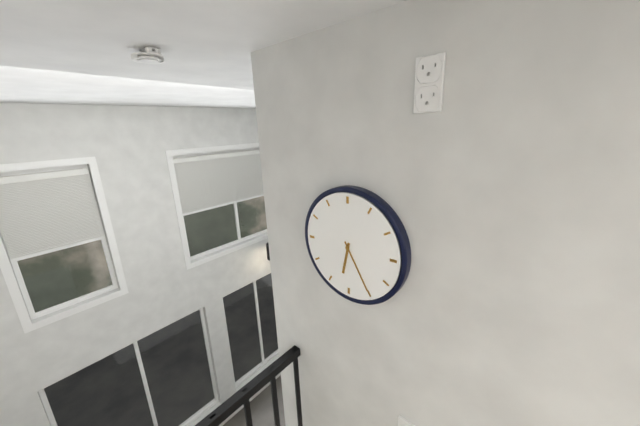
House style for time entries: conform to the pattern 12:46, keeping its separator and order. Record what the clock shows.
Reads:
6:25
